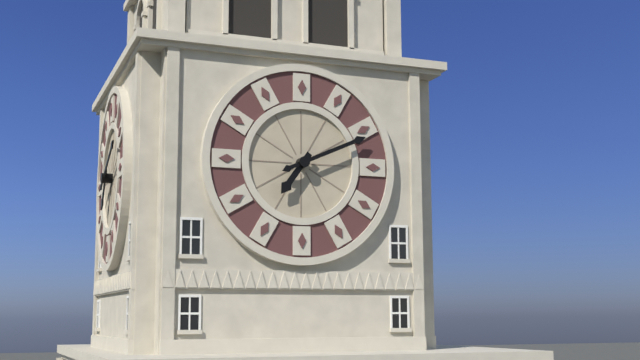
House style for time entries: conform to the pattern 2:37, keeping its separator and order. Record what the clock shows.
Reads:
7:11
